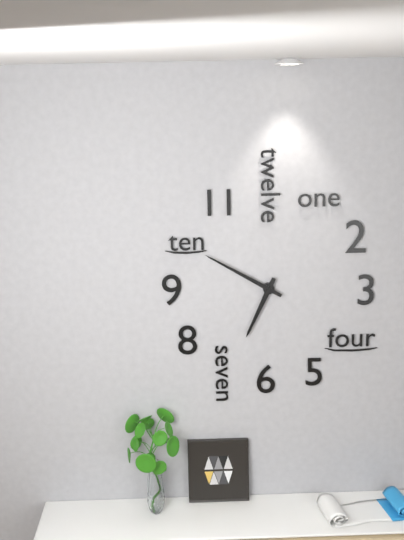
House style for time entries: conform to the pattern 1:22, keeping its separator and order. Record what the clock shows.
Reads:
6:50
